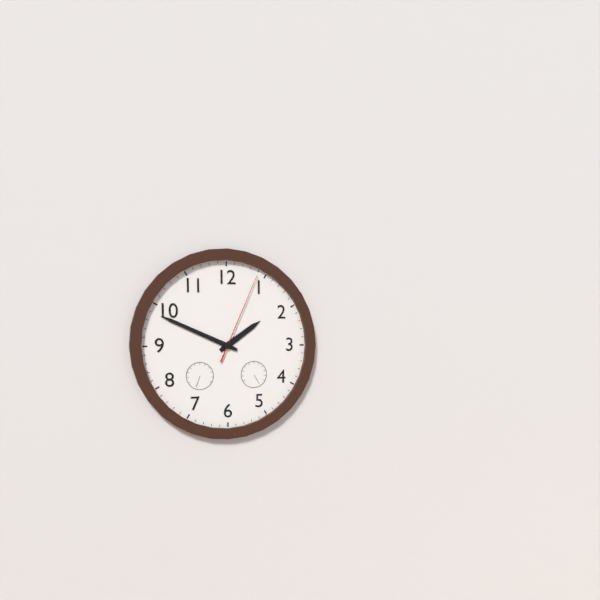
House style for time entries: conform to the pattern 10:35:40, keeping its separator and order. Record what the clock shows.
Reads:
1:49:04
